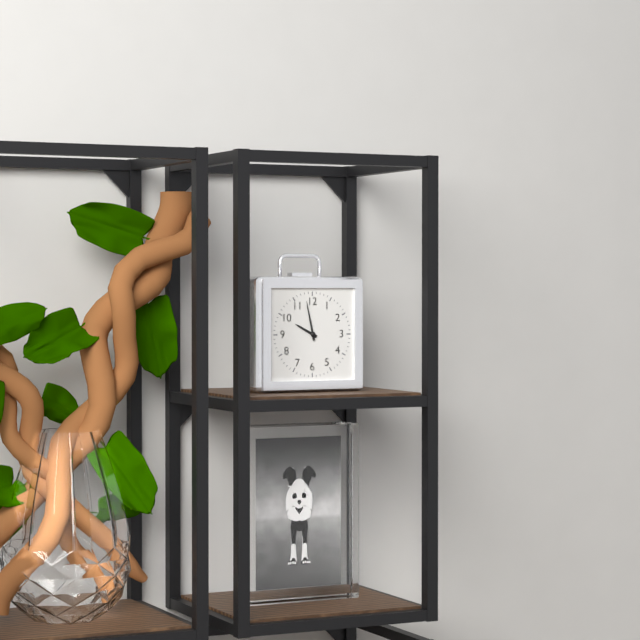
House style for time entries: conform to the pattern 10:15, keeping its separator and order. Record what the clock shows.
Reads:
9:58
